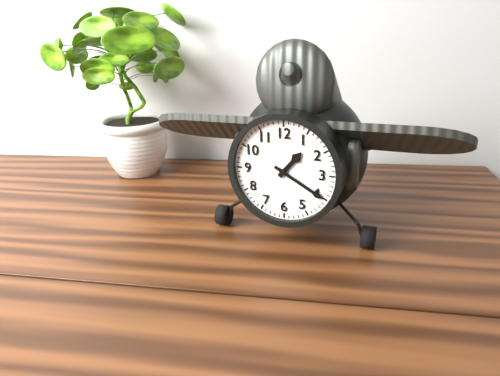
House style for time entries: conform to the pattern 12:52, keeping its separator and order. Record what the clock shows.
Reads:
1:20
